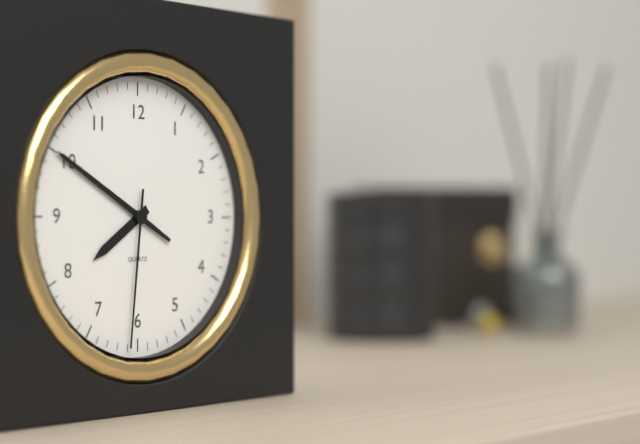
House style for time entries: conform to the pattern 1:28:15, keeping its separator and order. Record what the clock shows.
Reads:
7:50:31
